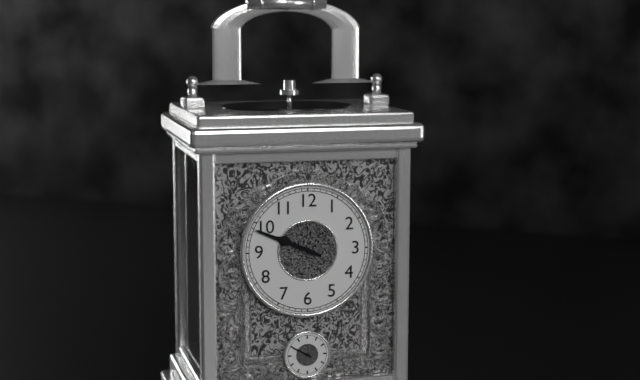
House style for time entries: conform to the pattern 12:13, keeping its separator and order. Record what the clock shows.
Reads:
9:49
